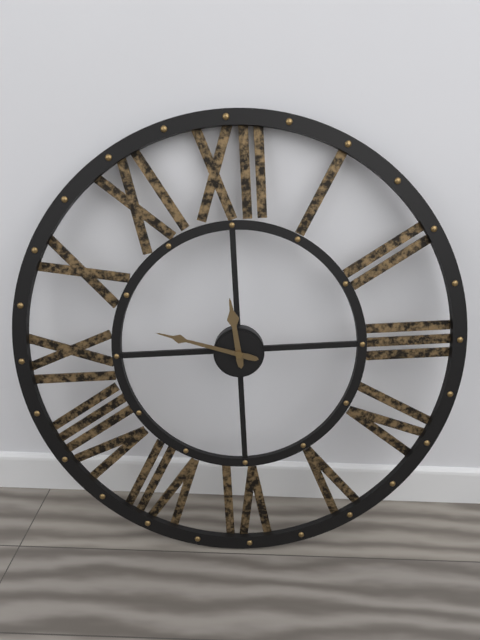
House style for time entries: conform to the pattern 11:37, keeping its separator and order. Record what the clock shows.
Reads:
11:48
